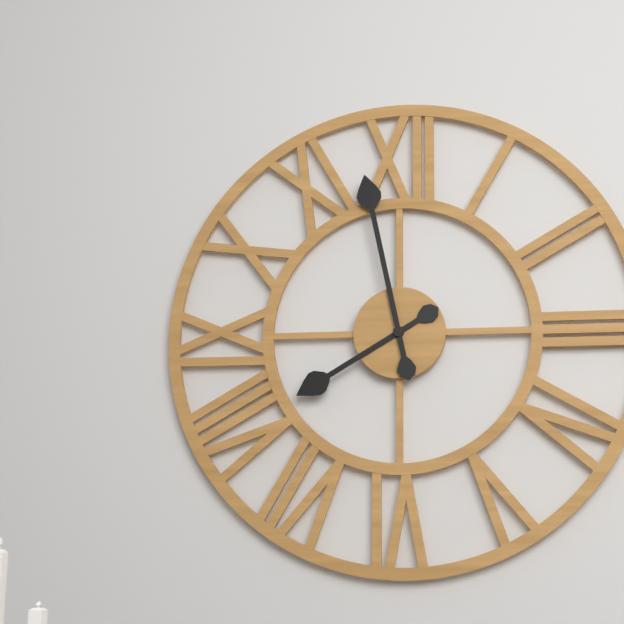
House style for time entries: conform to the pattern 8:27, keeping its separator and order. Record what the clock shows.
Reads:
7:58
